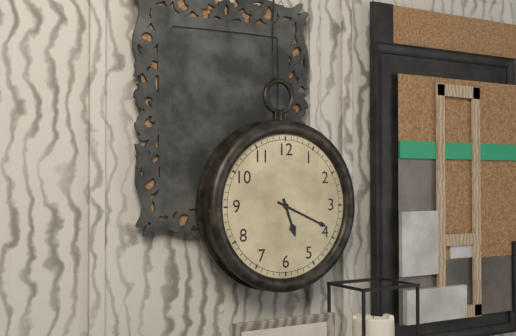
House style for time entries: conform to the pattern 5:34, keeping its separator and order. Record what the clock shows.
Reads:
5:19
